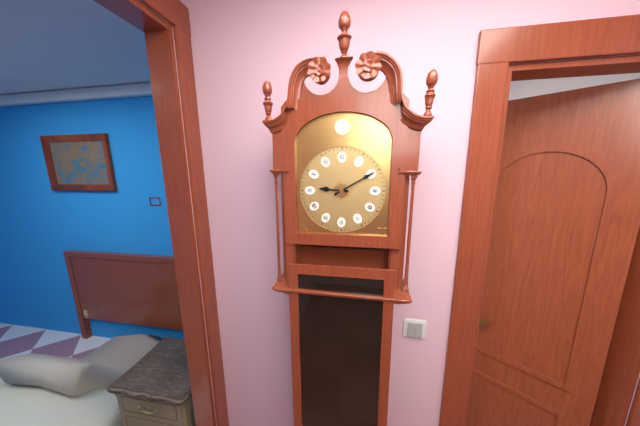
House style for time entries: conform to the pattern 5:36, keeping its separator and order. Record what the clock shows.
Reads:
9:10
